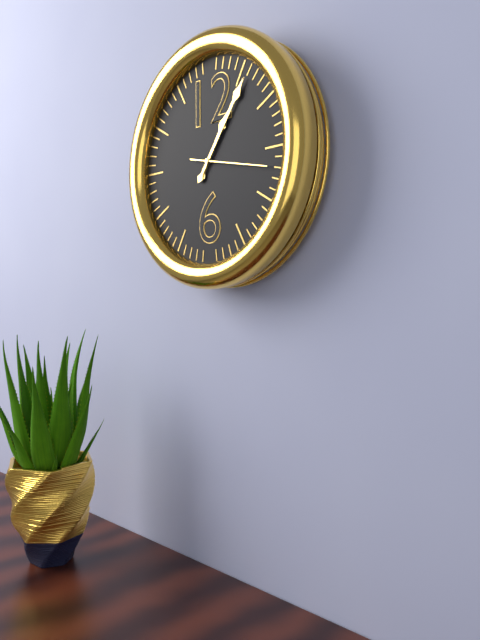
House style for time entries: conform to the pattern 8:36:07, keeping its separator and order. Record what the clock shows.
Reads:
1:06:17
